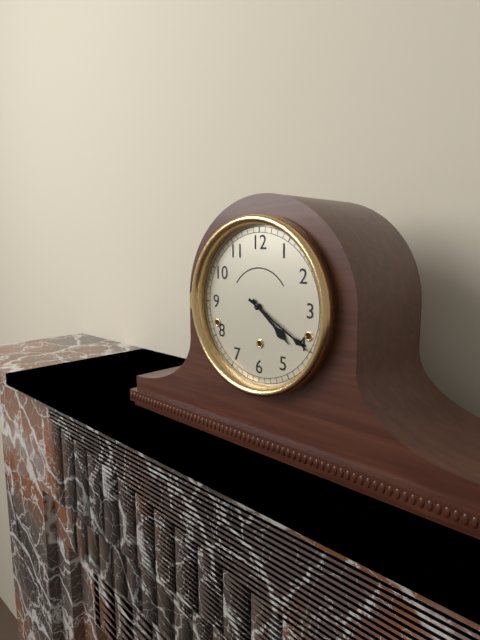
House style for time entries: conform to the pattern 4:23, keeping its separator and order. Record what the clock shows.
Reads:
4:20
